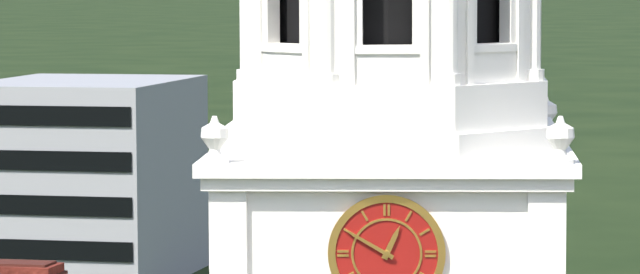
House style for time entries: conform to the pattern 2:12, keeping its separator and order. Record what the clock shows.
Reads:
12:50
